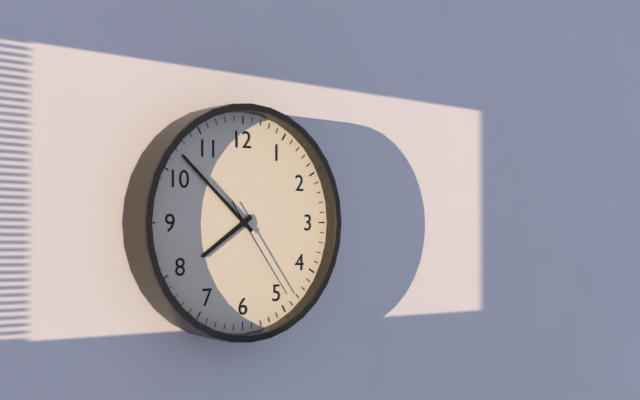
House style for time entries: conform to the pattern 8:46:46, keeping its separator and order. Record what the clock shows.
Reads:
7:52:24
